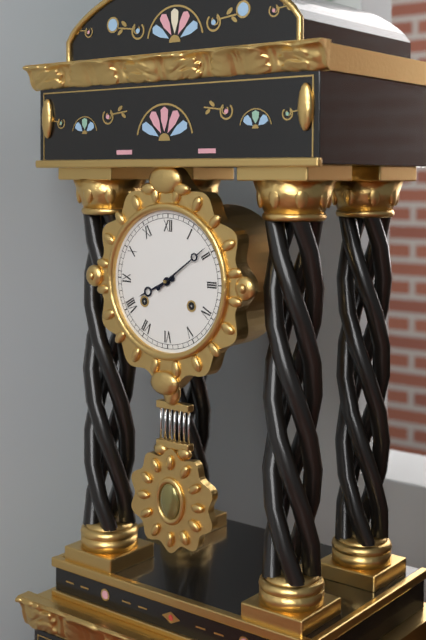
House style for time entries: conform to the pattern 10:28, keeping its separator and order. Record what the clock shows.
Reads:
8:09
